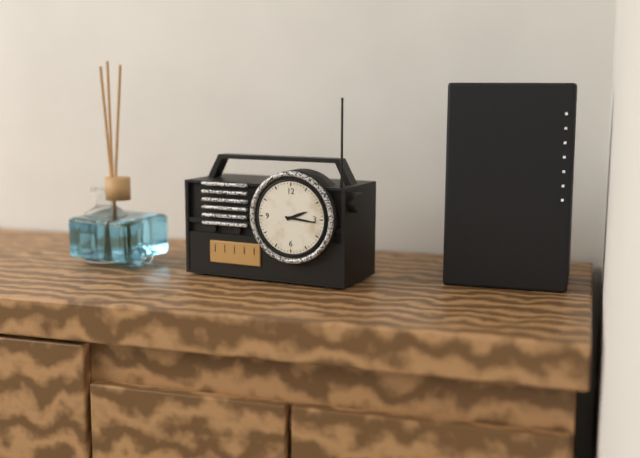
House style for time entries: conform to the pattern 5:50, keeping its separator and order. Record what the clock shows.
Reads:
2:16
